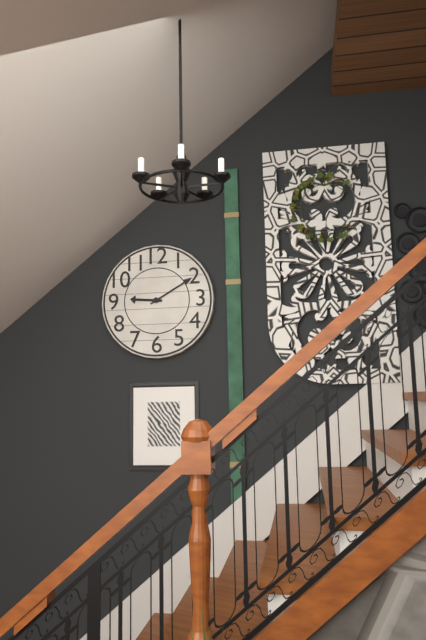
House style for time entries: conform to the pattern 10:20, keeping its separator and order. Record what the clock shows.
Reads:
9:10
